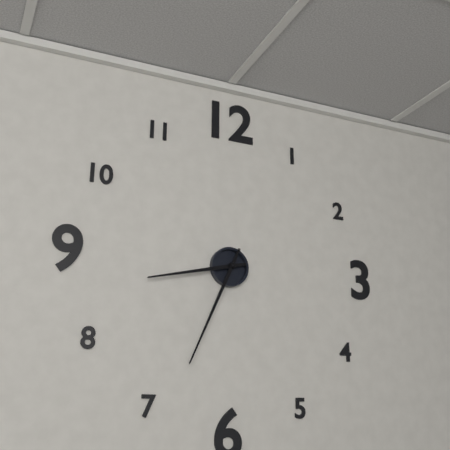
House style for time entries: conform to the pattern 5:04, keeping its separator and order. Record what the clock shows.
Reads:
8:34
